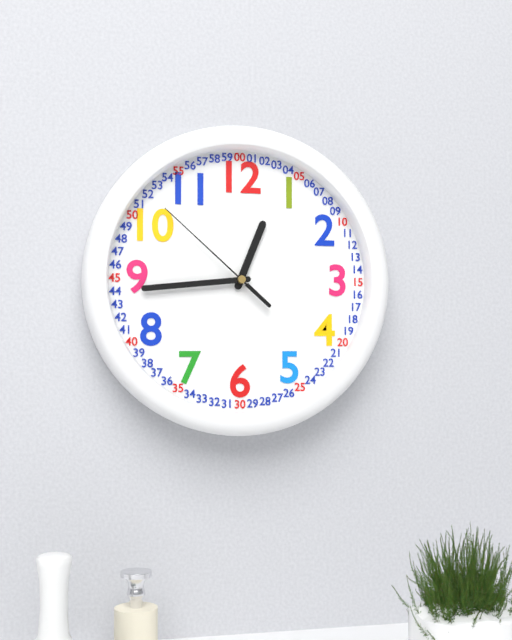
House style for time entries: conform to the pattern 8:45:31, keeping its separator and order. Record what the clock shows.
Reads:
12:44:52
